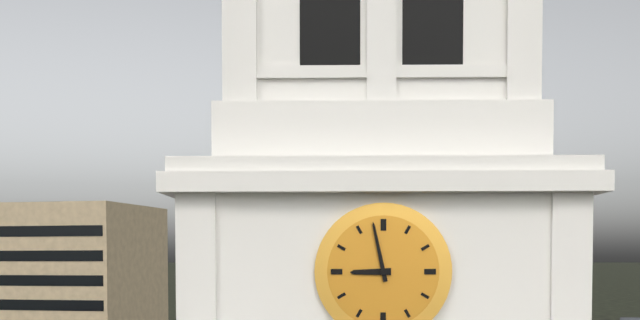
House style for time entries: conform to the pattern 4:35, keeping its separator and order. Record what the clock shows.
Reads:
8:58
